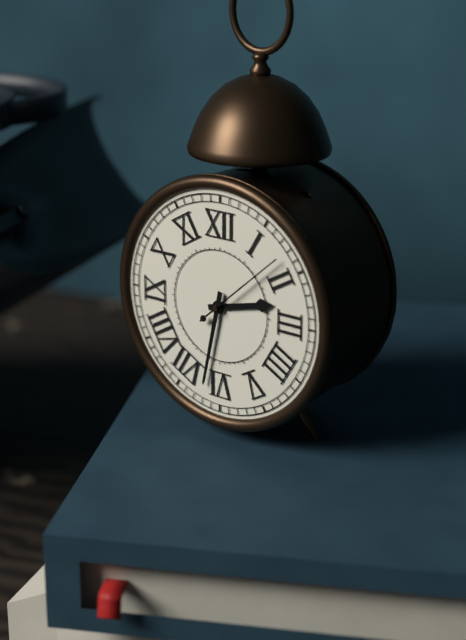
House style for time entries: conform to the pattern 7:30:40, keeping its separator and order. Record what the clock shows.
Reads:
2:32:08
